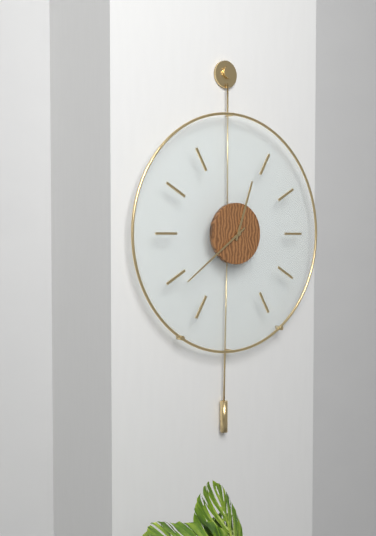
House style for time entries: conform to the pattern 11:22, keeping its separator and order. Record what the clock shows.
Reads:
12:39
